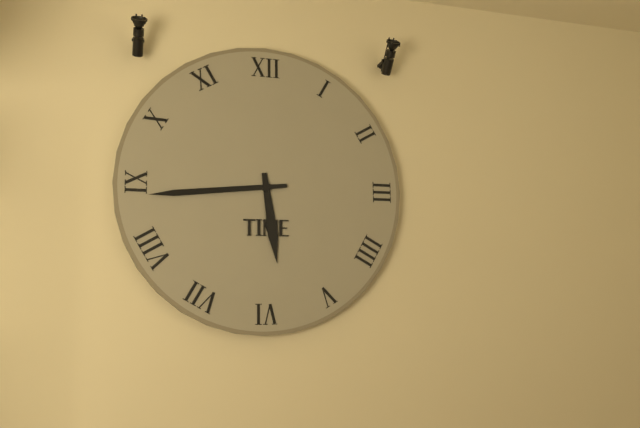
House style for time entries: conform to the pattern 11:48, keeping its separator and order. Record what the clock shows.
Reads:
5:44
